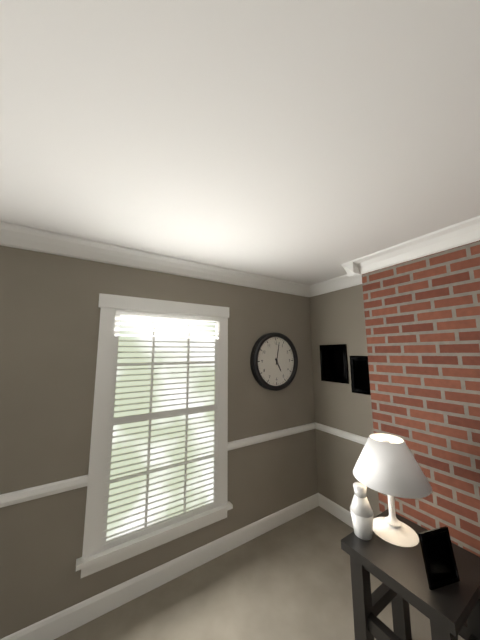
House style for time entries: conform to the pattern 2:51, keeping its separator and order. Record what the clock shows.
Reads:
5:02
